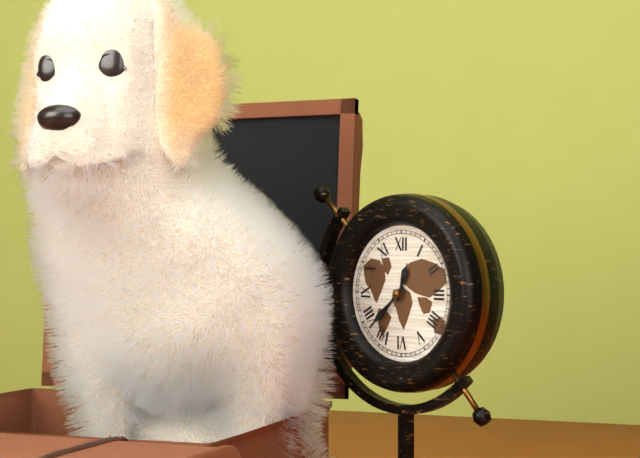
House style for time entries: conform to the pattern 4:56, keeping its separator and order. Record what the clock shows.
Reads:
12:38
